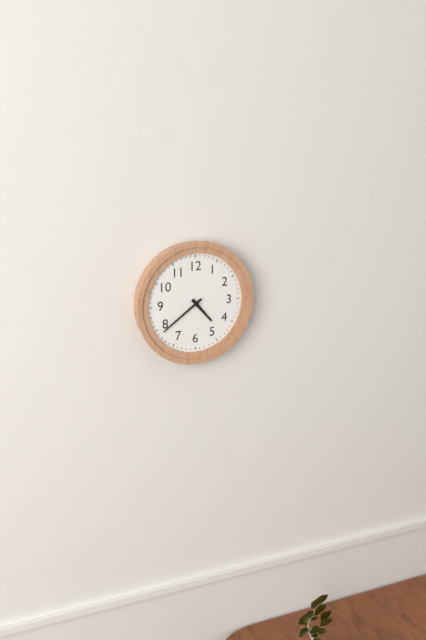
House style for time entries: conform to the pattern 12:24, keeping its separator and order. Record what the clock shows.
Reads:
4:39
